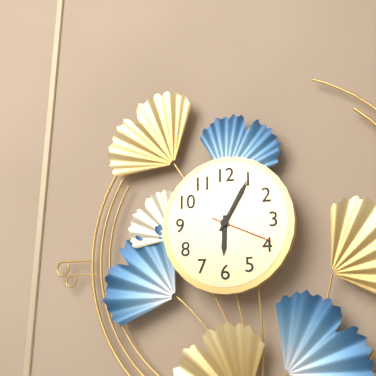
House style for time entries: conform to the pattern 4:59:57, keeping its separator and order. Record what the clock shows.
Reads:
6:05:19
